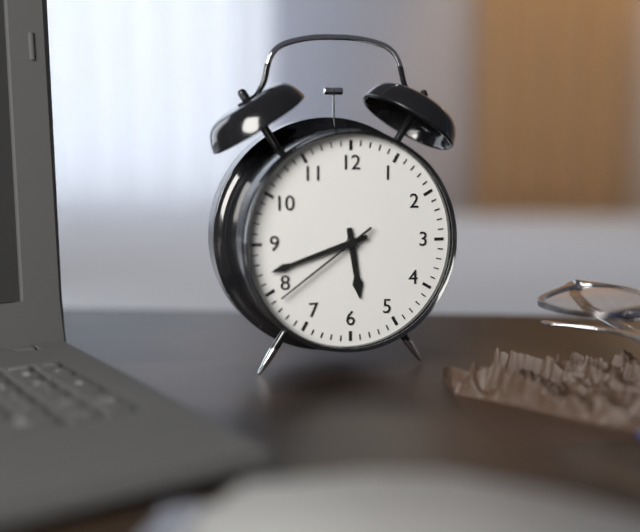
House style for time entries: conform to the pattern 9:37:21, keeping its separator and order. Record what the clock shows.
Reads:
5:42:39
